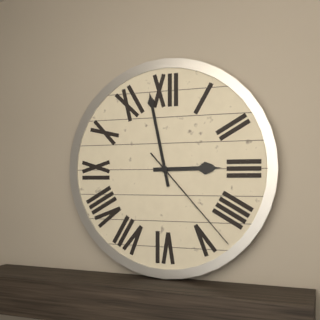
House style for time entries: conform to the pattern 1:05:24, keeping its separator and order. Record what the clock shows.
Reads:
2:58:23
